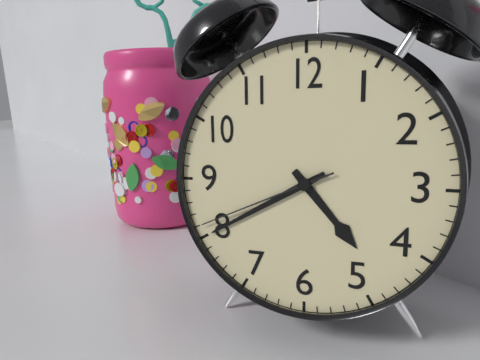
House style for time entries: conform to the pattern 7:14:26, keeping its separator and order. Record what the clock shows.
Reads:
4:40:41
